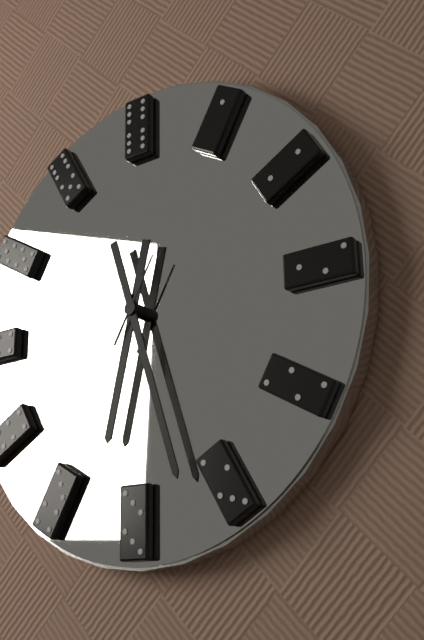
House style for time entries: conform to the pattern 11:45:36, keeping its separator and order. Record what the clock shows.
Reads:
6:27:05
